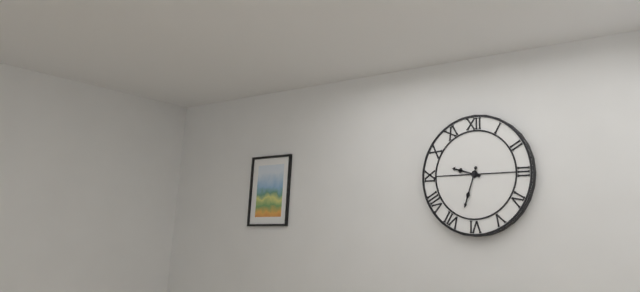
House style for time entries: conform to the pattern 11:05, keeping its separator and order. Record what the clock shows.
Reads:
9:33
